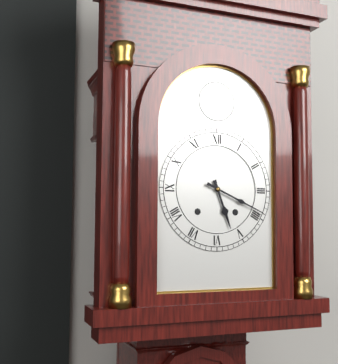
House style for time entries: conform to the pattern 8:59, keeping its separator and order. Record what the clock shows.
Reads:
5:19
